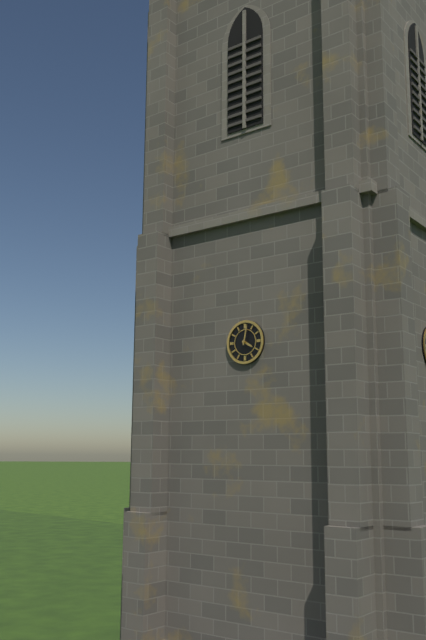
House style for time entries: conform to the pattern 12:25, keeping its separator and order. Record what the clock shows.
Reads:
4:02
